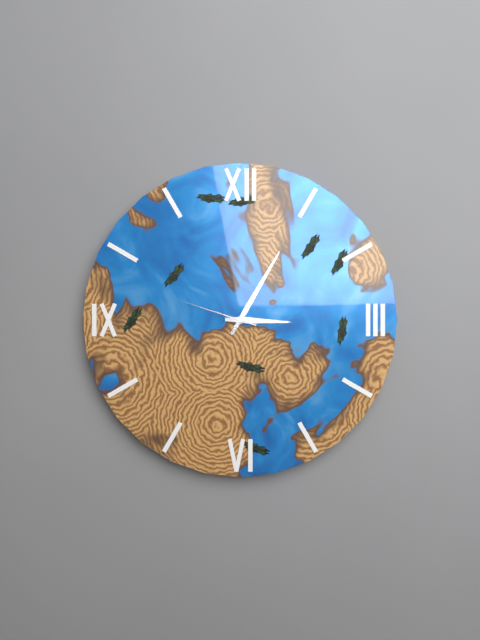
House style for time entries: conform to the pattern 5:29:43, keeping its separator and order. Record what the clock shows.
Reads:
3:05:48
